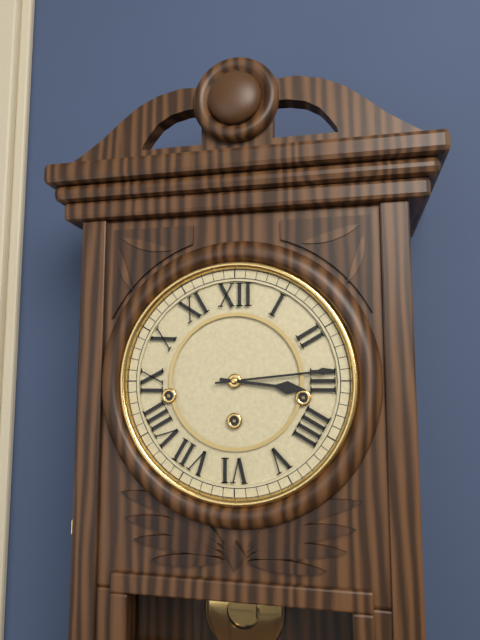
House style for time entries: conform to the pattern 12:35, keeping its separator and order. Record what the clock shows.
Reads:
3:14
